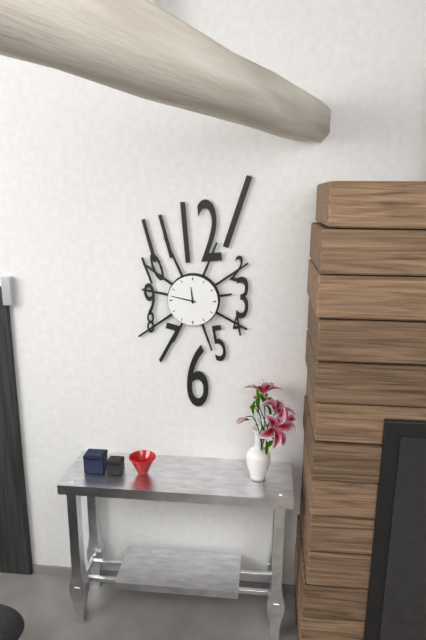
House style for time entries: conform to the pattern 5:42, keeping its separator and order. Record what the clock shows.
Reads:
11:47
